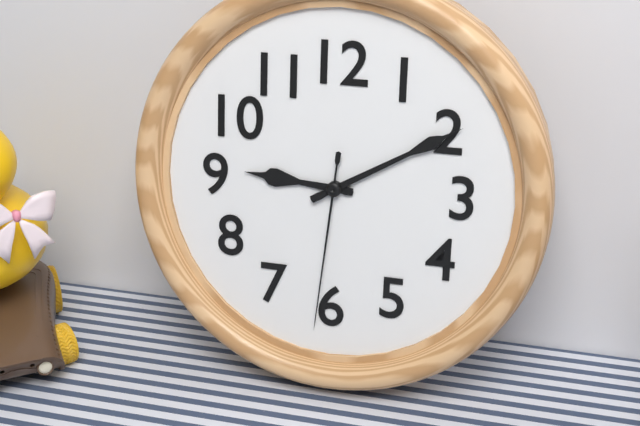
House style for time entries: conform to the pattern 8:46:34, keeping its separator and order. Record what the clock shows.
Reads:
9:10:31
